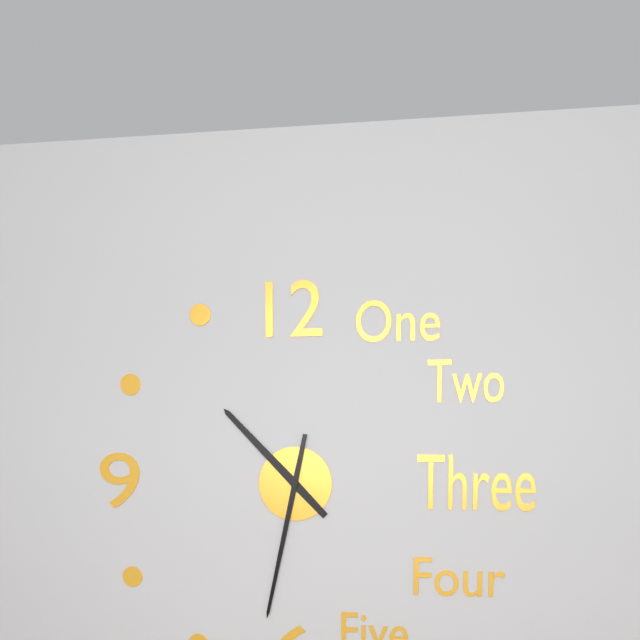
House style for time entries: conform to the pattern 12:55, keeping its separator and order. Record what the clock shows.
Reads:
10:32
